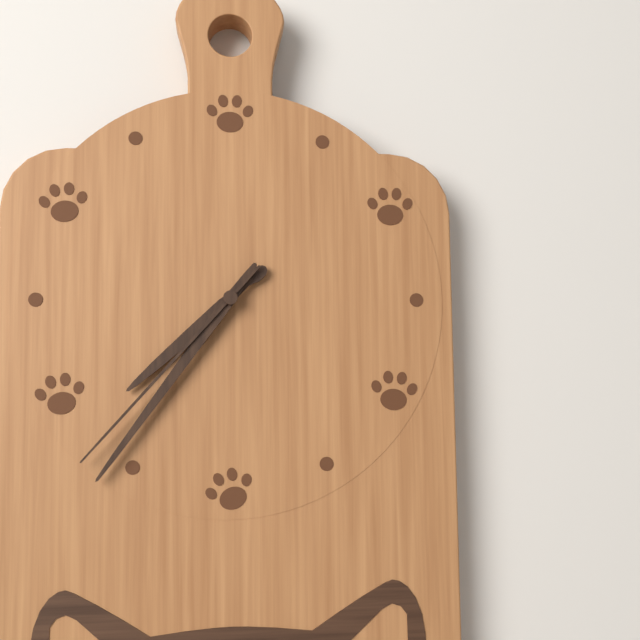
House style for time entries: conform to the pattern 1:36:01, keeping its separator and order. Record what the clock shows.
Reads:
7:36:37
